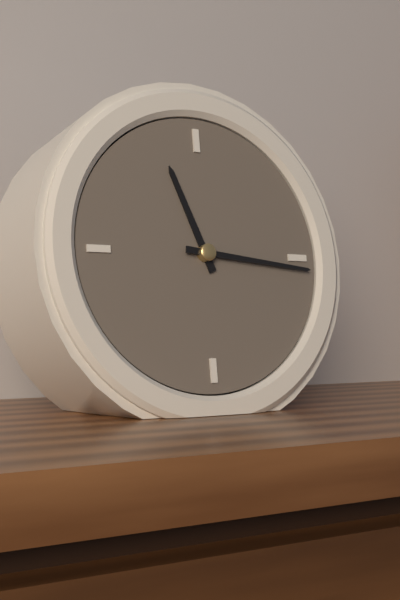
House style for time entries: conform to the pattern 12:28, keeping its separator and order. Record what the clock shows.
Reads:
11:16
